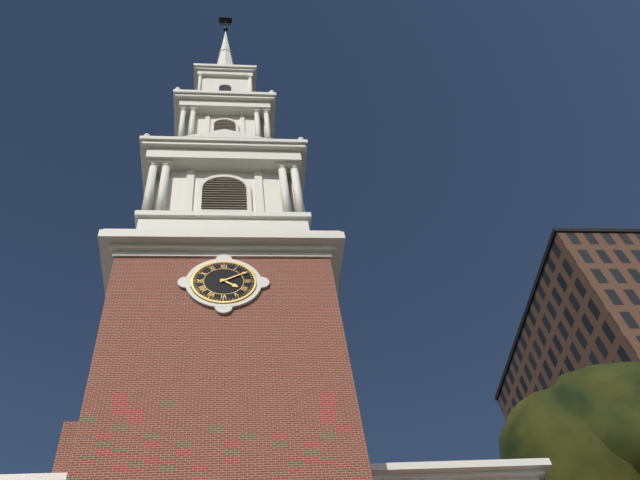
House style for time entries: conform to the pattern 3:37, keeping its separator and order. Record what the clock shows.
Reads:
4:10
